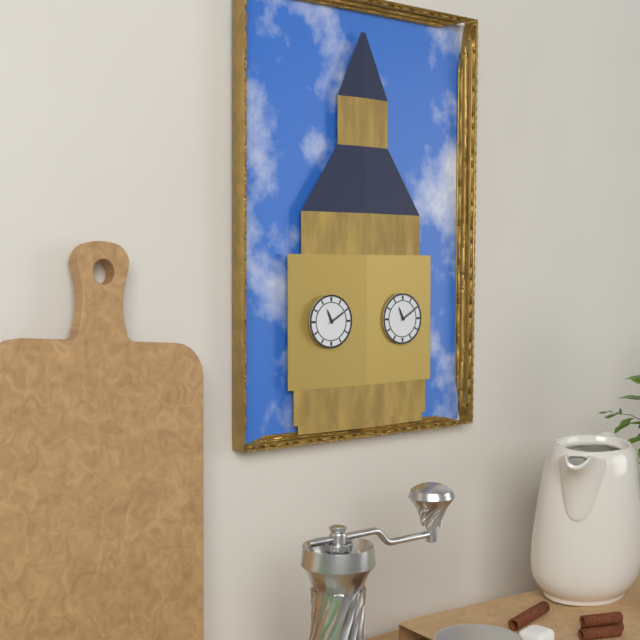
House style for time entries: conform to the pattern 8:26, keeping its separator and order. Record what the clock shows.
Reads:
11:10
